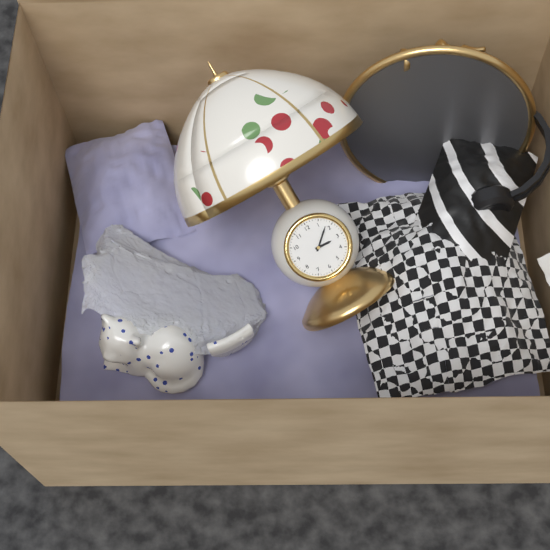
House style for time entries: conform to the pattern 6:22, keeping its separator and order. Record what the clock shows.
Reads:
3:08
